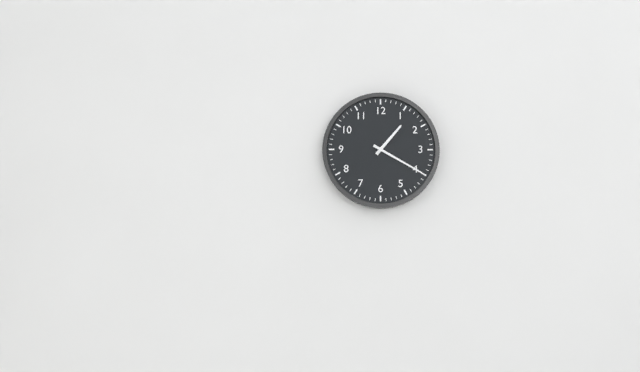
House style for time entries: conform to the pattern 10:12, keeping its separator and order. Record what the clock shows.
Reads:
1:20
